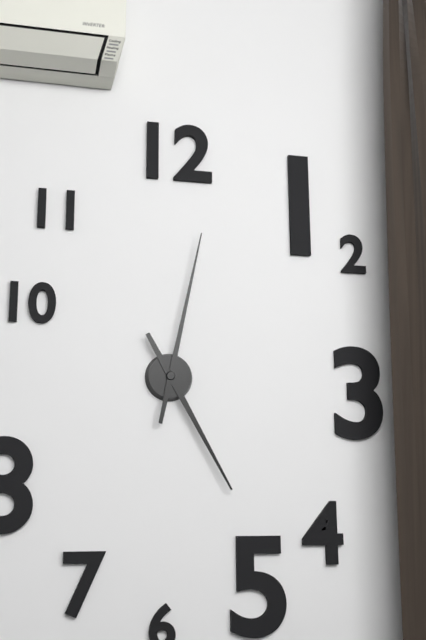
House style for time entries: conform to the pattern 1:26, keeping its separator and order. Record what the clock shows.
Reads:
5:02
